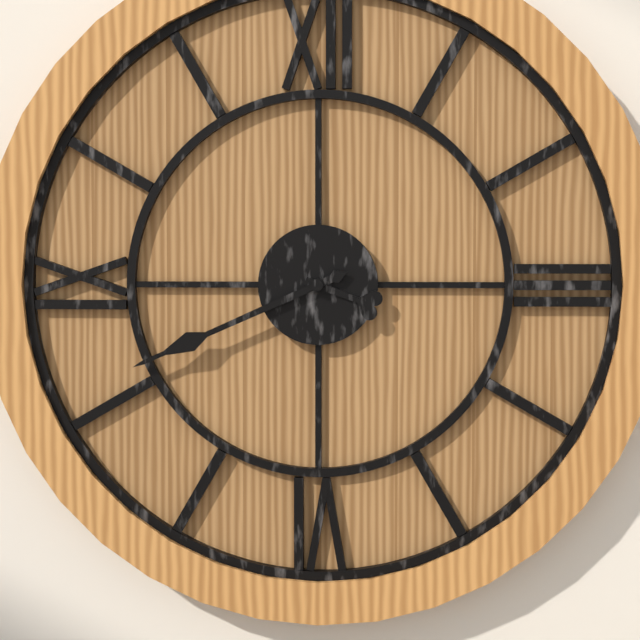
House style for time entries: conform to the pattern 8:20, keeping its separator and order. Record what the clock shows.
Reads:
3:41
